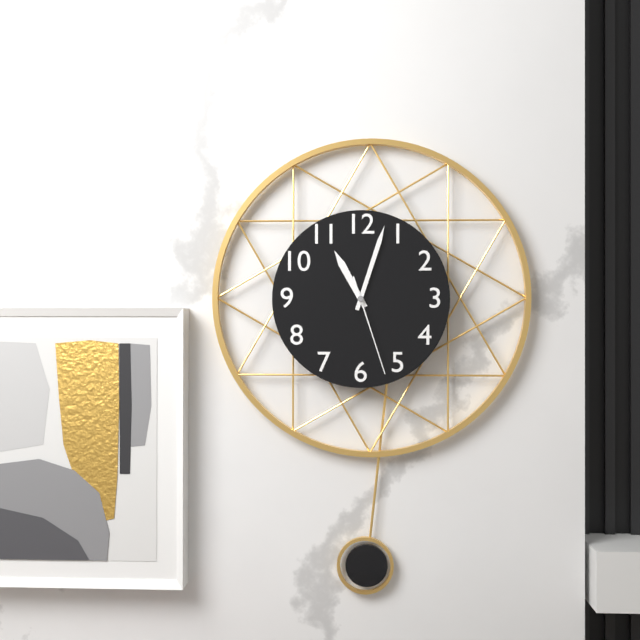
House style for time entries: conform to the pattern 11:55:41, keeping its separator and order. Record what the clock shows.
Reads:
11:03:27
